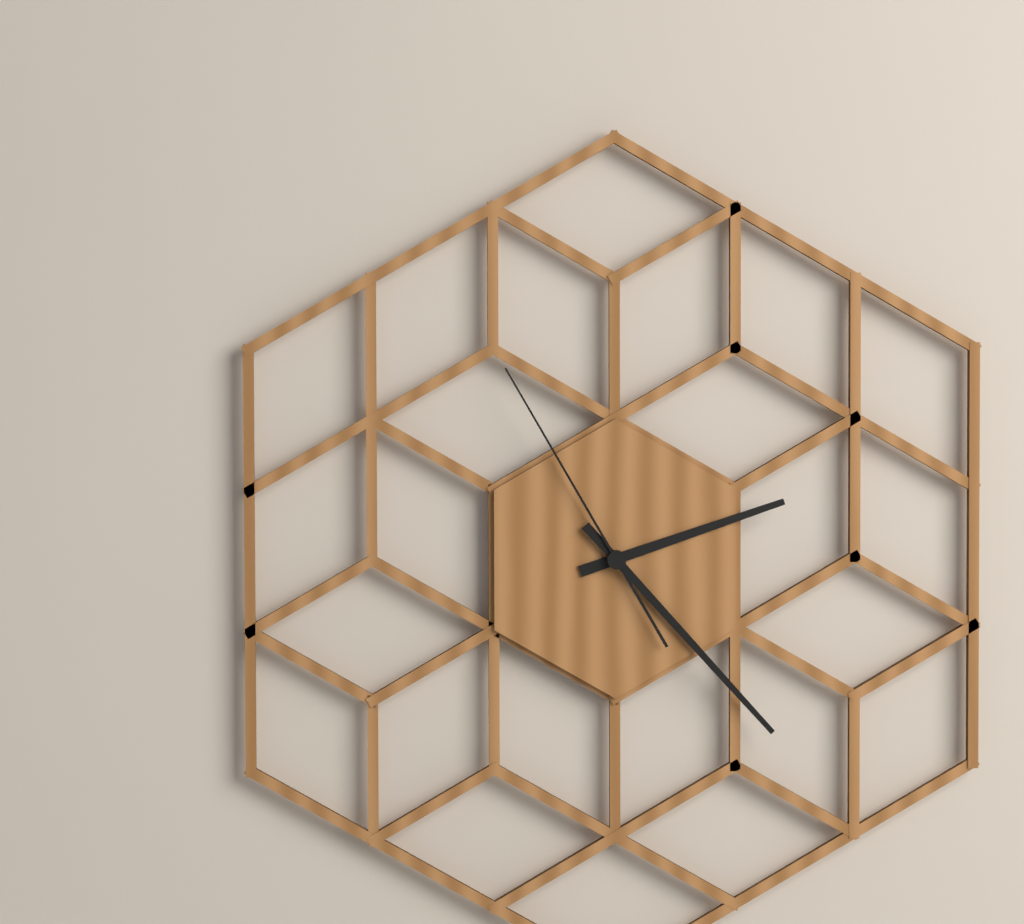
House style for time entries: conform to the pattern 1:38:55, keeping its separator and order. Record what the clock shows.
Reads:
2:23:55
